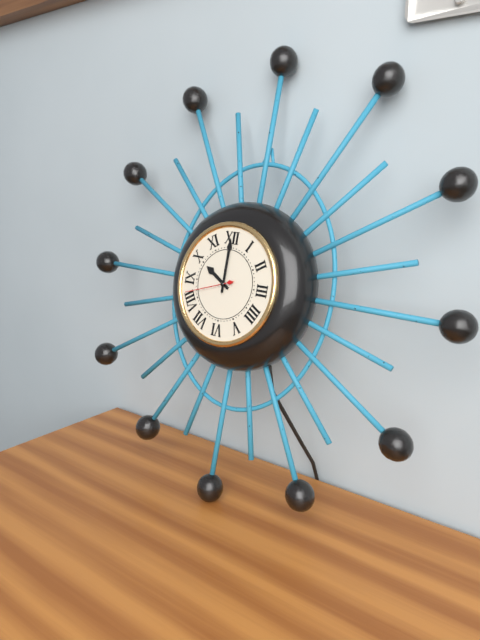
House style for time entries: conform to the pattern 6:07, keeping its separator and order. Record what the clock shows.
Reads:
10:00
